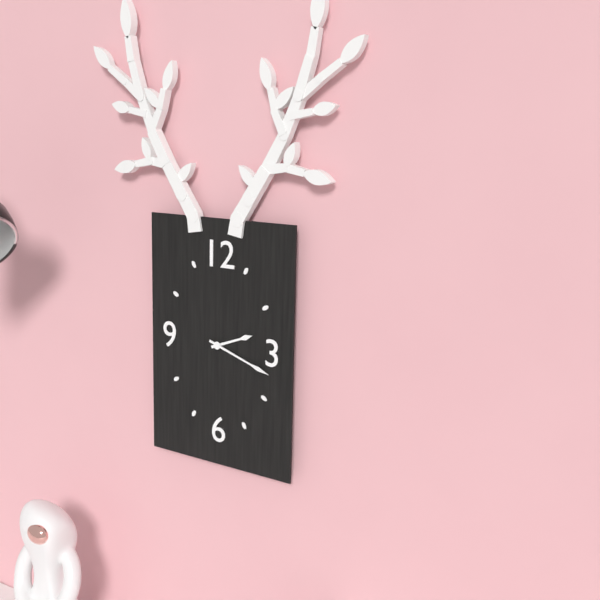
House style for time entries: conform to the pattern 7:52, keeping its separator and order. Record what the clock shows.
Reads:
2:18
